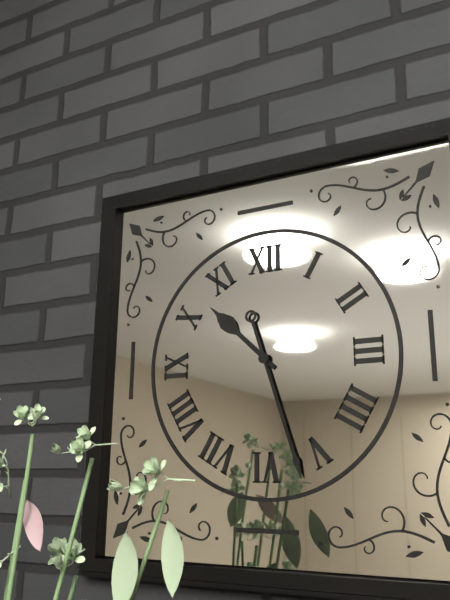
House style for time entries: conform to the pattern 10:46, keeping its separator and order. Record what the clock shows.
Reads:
10:27
